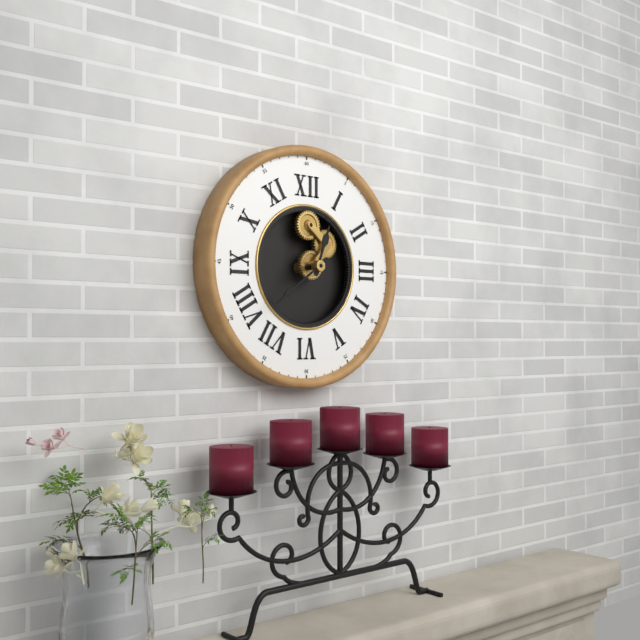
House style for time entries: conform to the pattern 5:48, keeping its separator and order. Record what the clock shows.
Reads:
12:39
